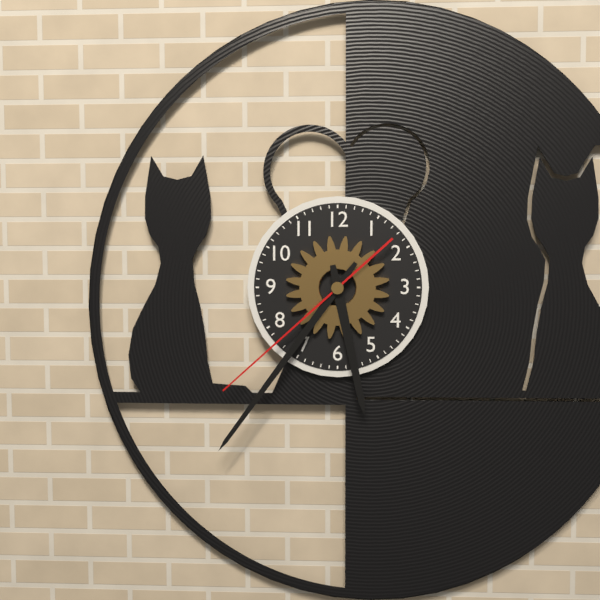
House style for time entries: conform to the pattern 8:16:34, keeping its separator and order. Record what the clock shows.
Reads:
5:36:38
